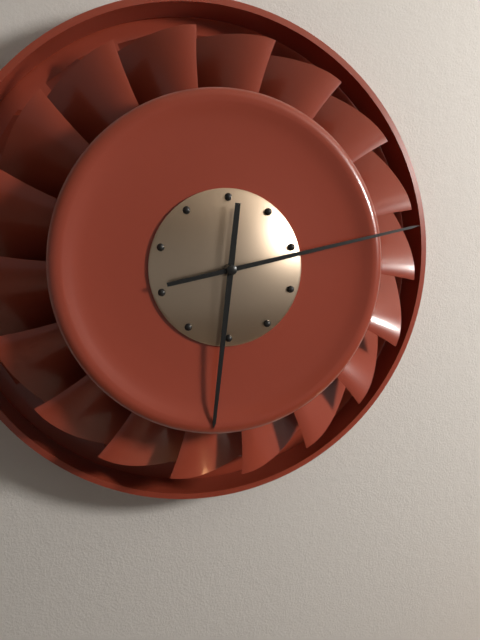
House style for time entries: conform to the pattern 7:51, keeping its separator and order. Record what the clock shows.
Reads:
6:13
